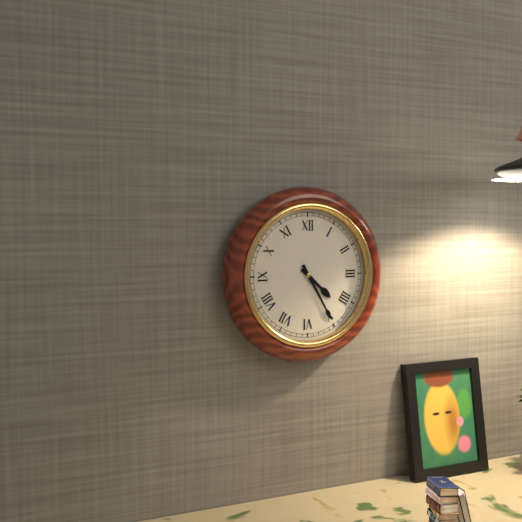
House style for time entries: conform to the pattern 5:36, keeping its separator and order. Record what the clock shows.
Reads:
4:25
